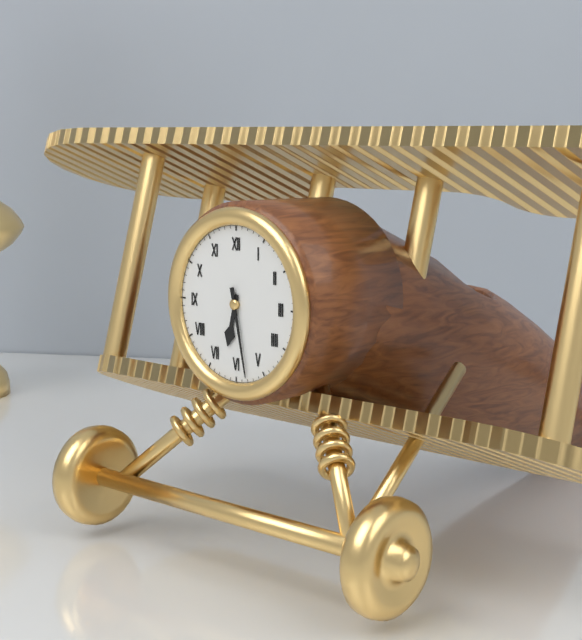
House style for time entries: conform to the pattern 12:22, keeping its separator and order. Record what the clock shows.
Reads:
6:28
